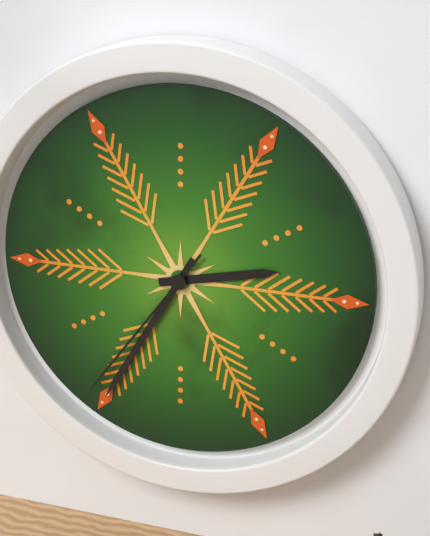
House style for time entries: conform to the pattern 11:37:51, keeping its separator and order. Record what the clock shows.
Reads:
2:35:36
